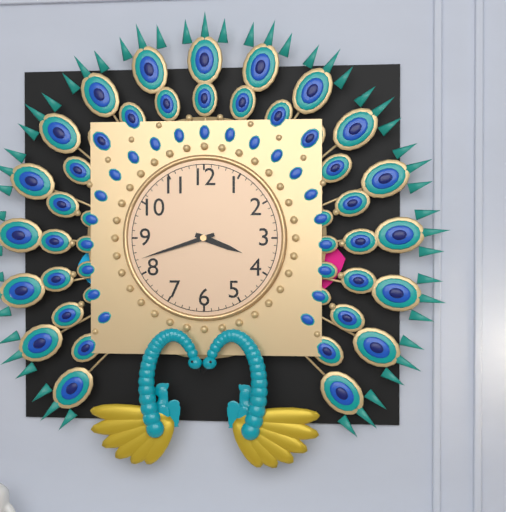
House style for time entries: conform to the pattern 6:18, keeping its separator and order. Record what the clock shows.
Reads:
3:42
